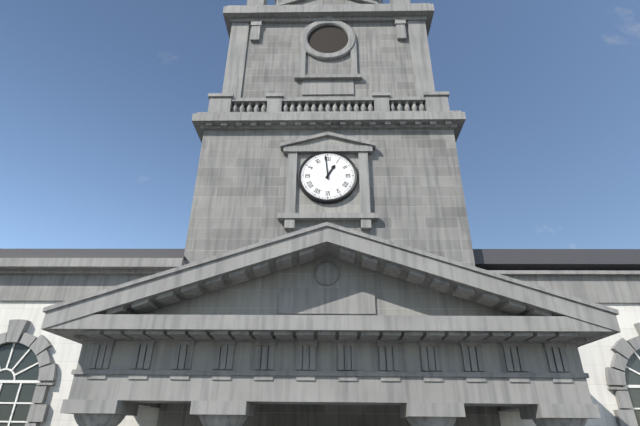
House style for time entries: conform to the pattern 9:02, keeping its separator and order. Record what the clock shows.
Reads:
12:59
